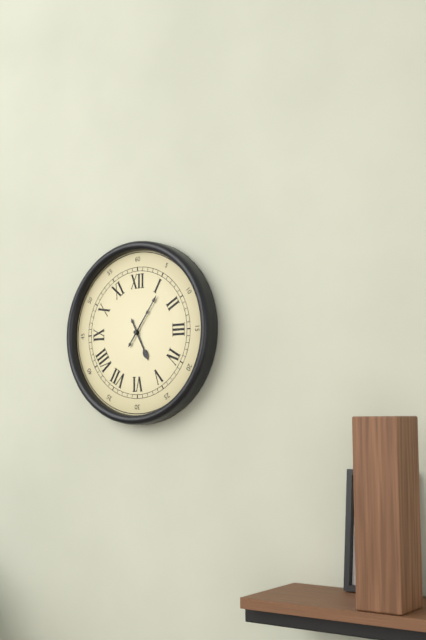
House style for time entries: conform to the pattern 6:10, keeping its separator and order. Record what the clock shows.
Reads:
5:06
